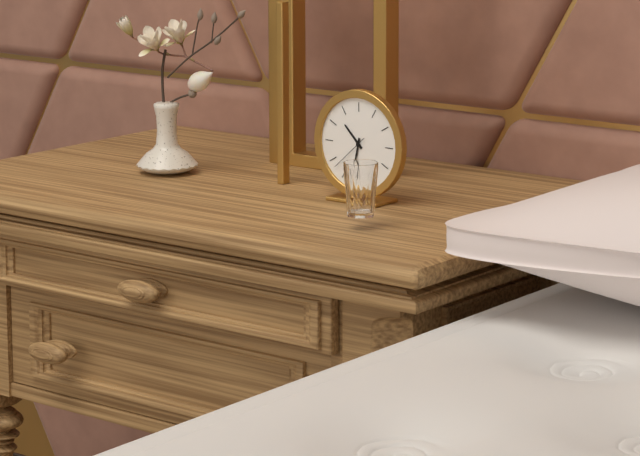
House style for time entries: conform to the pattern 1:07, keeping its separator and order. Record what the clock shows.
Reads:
10:32
